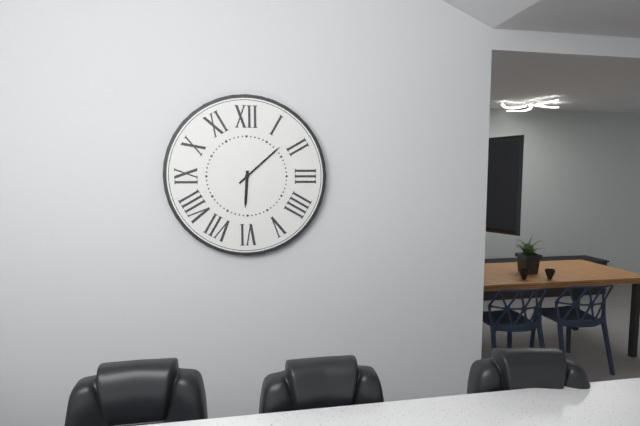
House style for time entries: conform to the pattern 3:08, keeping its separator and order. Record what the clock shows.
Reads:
6:08
